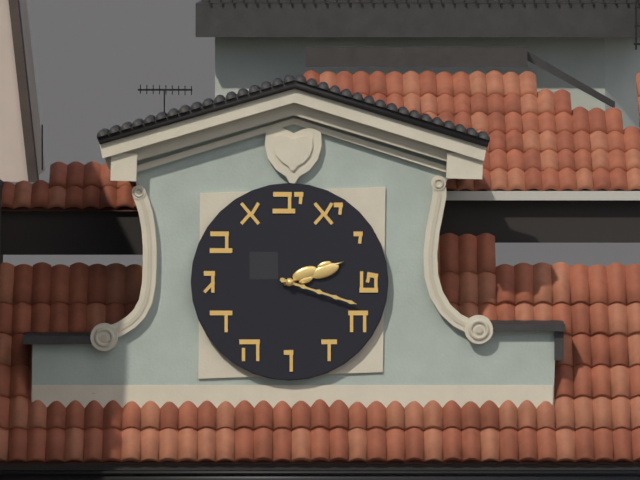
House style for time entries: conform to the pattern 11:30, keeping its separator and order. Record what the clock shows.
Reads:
2:18
